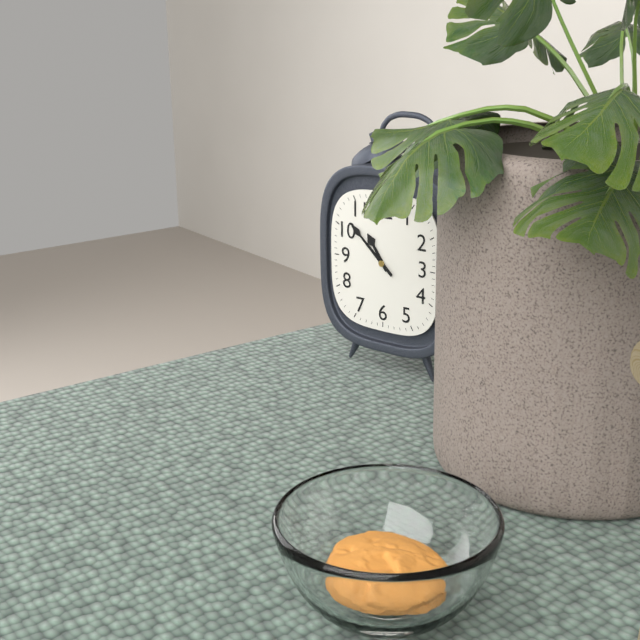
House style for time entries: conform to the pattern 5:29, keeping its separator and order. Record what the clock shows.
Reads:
10:52
